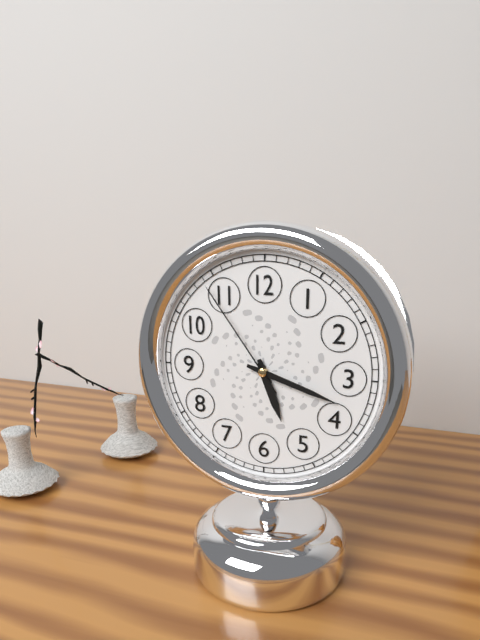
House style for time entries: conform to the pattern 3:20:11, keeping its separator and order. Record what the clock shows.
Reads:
5:18:54
